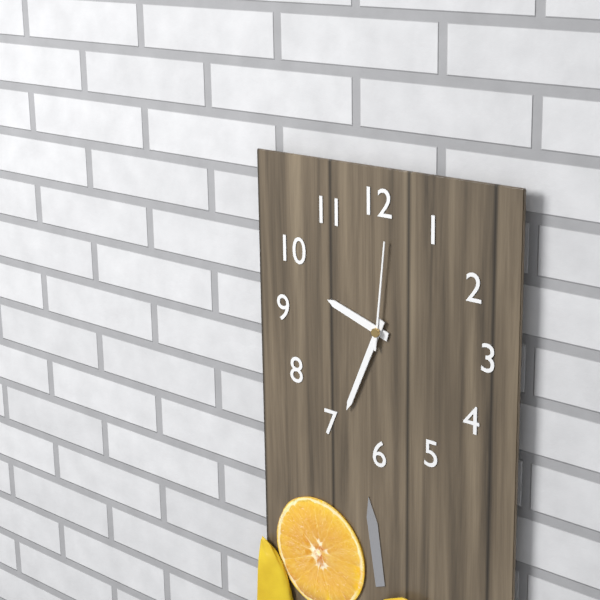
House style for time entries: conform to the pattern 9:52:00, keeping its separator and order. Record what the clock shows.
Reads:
9:34:01
